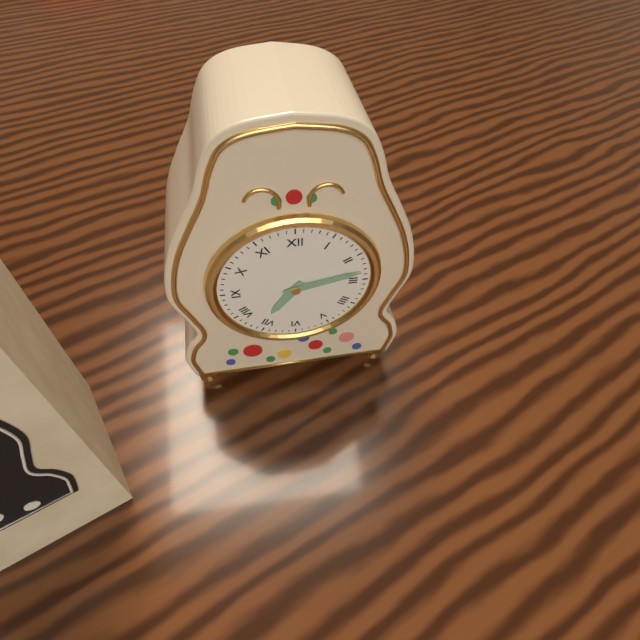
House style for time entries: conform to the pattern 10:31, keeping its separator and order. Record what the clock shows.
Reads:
7:13
